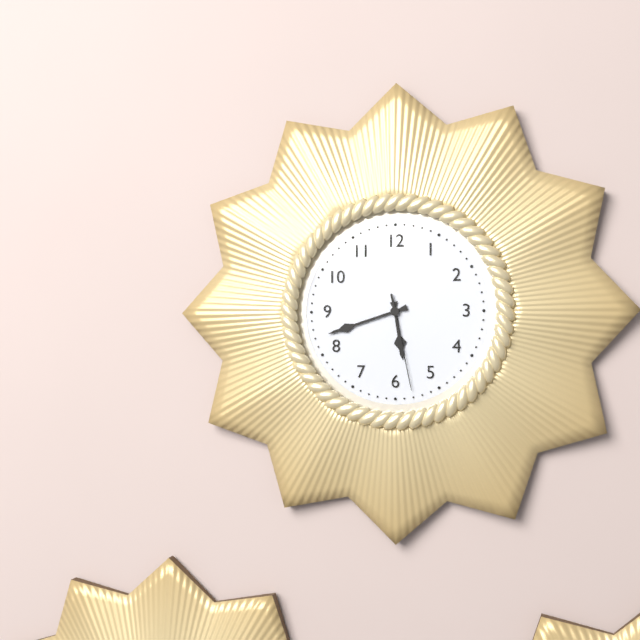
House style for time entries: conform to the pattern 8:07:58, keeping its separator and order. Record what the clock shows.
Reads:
5:42:28
